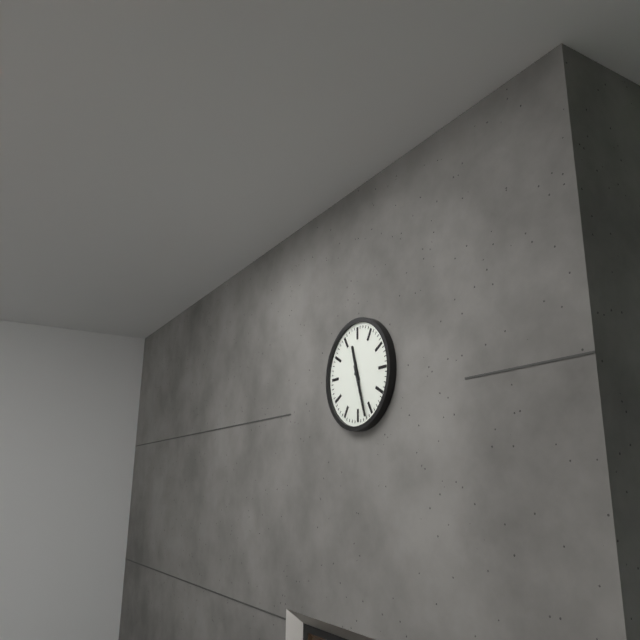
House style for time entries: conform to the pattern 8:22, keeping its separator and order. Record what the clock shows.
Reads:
11:27
